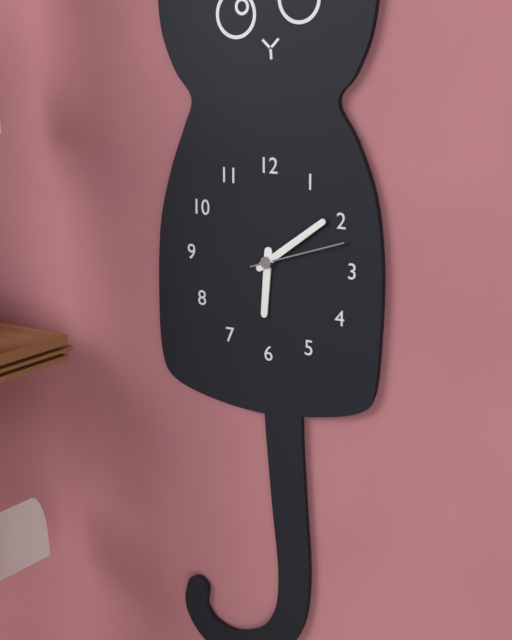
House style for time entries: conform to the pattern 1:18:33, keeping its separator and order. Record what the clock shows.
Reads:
6:09:12
